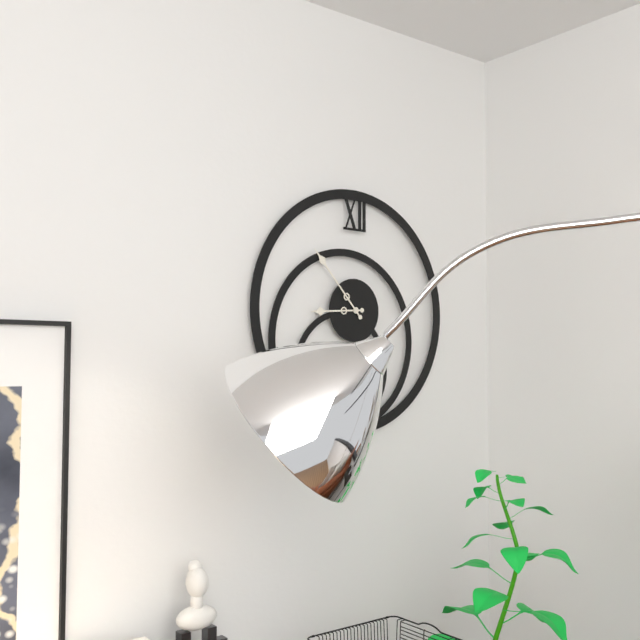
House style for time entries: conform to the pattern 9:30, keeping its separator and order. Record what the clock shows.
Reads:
8:53
